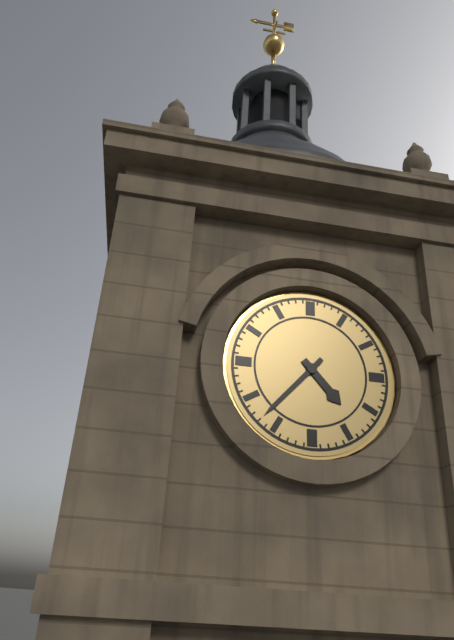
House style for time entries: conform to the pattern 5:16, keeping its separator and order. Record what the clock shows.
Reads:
4:37
